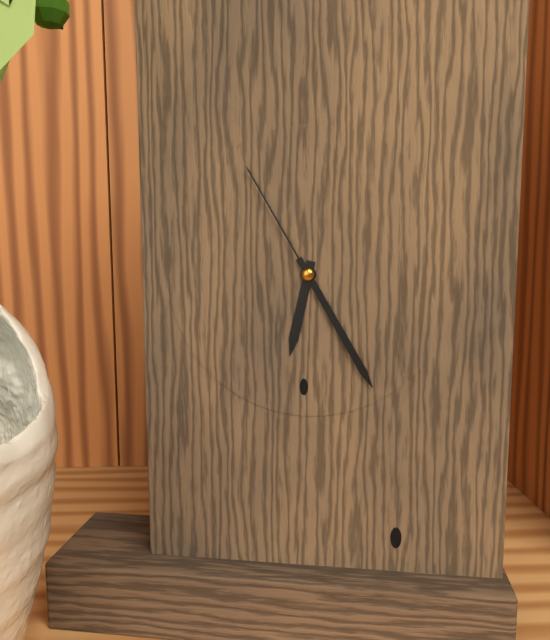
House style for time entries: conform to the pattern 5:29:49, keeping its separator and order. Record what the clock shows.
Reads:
6:25:55
